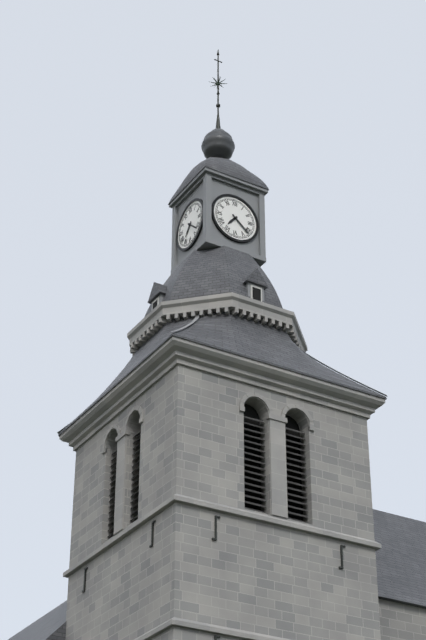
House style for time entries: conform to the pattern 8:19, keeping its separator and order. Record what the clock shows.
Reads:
7:22
